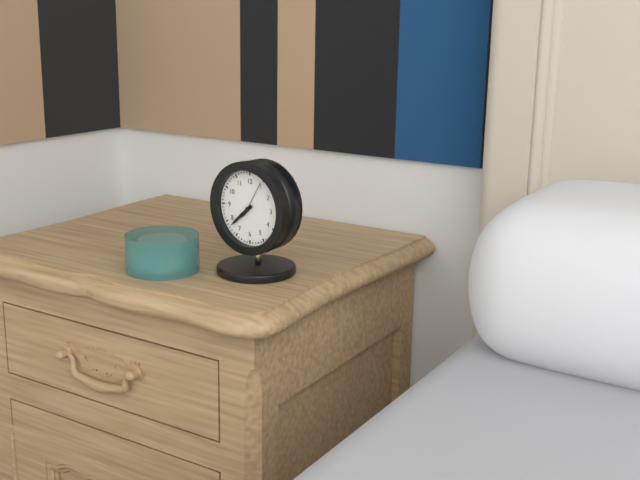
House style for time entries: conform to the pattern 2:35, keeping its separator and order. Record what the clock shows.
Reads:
7:38
